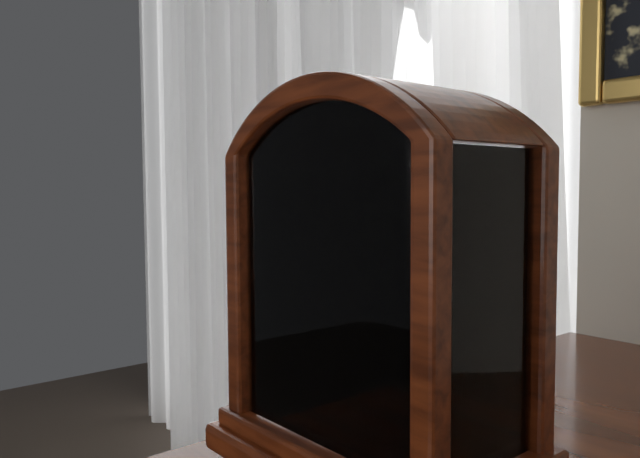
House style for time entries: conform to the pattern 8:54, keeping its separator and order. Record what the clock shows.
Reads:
8:55
